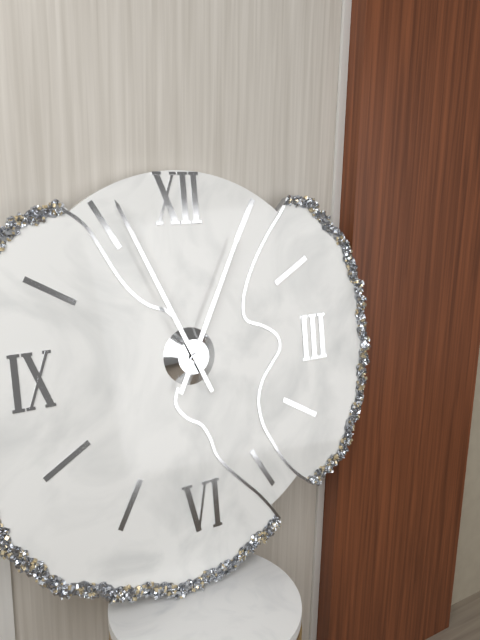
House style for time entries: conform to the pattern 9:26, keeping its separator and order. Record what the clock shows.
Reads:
12:56
